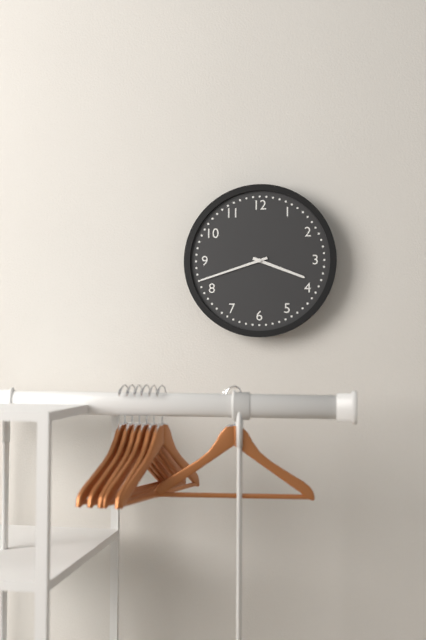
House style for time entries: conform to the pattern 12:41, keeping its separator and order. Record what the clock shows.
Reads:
3:42
